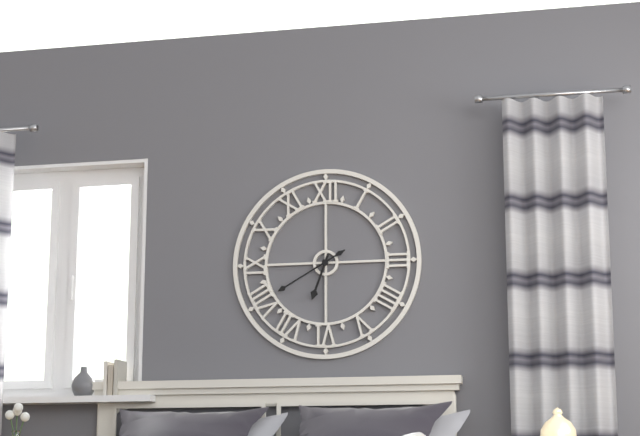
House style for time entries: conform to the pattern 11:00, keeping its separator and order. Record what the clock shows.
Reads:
6:40
